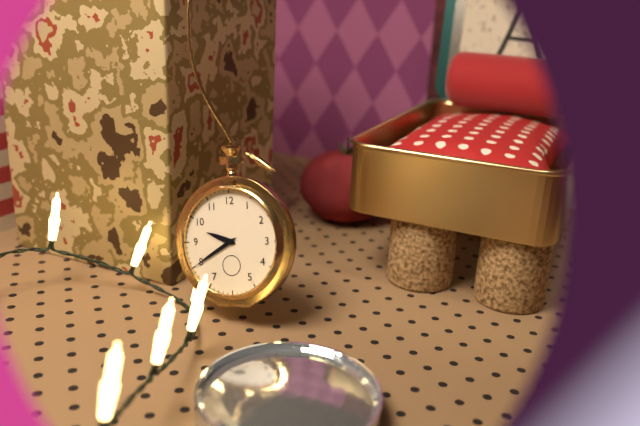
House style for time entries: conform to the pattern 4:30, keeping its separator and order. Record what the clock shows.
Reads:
9:40
